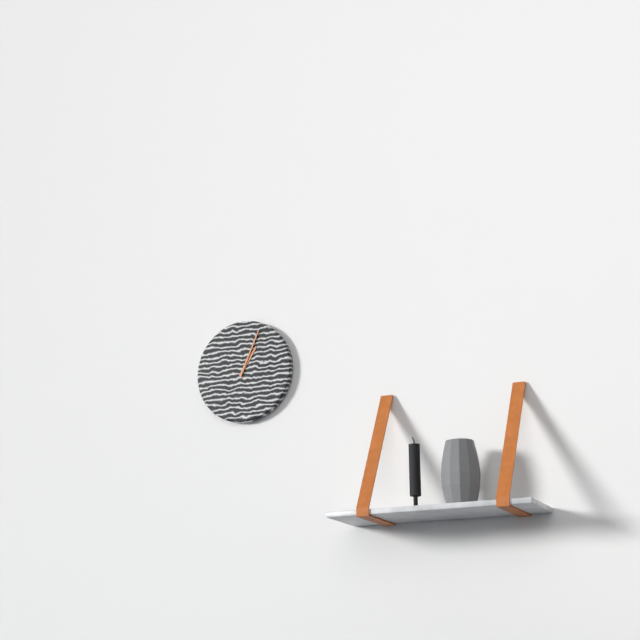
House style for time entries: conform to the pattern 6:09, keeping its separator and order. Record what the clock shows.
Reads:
1:04
